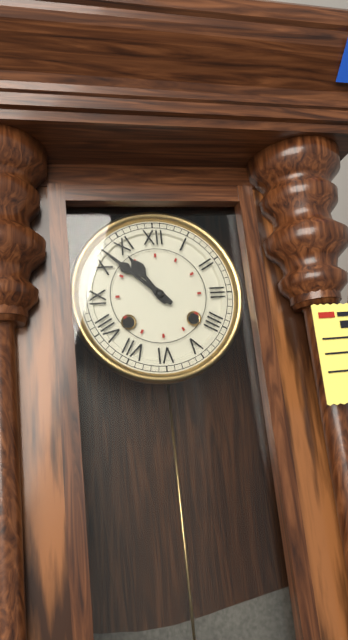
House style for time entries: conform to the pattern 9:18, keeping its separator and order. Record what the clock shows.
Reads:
10:52
